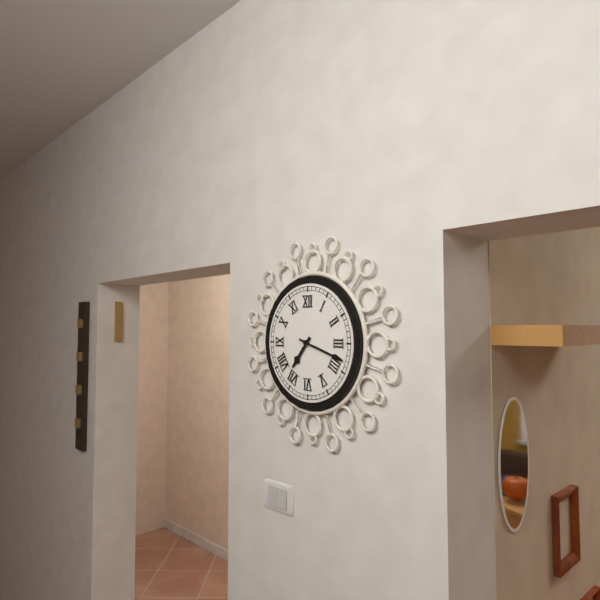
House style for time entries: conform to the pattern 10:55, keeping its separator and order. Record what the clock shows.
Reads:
7:18
